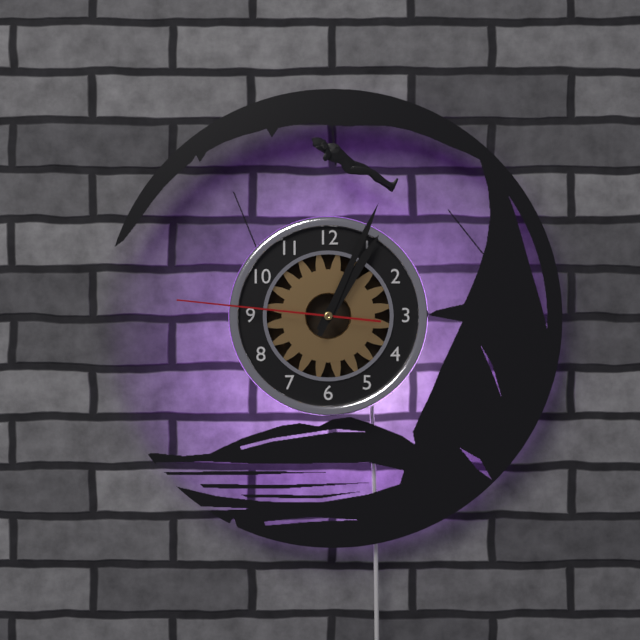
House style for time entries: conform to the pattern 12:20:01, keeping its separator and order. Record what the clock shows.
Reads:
1:04:46
